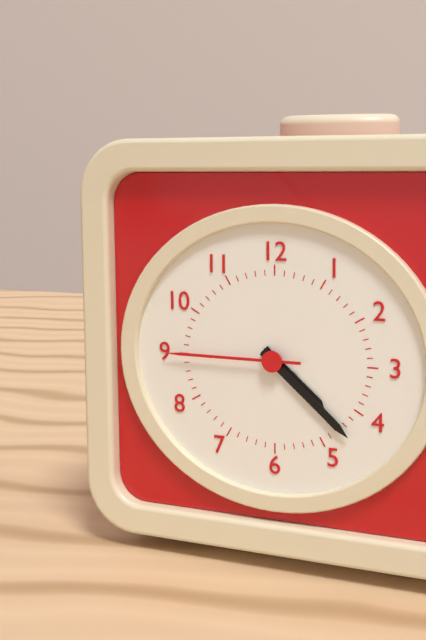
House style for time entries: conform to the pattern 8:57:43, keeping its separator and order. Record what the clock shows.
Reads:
4:22:45
